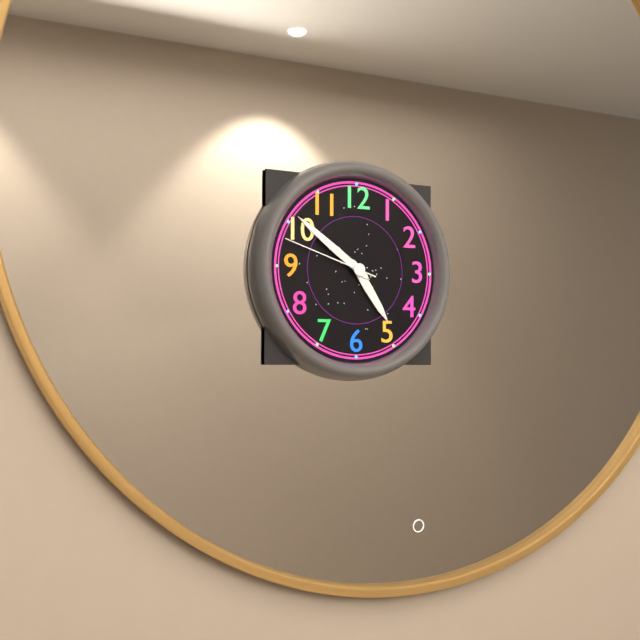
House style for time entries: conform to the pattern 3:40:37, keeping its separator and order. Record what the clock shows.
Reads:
4:51:48
